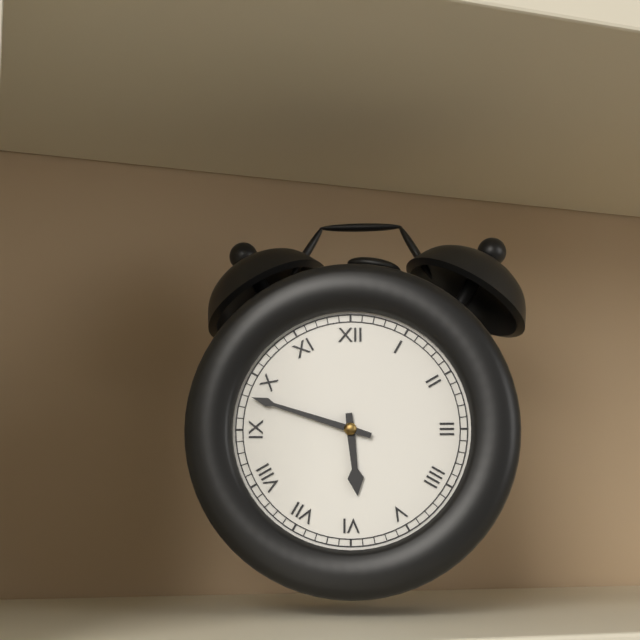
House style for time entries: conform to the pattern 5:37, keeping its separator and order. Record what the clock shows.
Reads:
5:48
